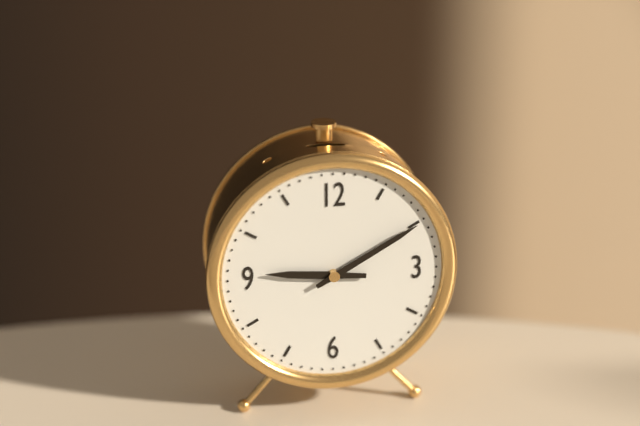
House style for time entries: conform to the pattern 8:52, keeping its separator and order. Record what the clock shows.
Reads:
9:10
